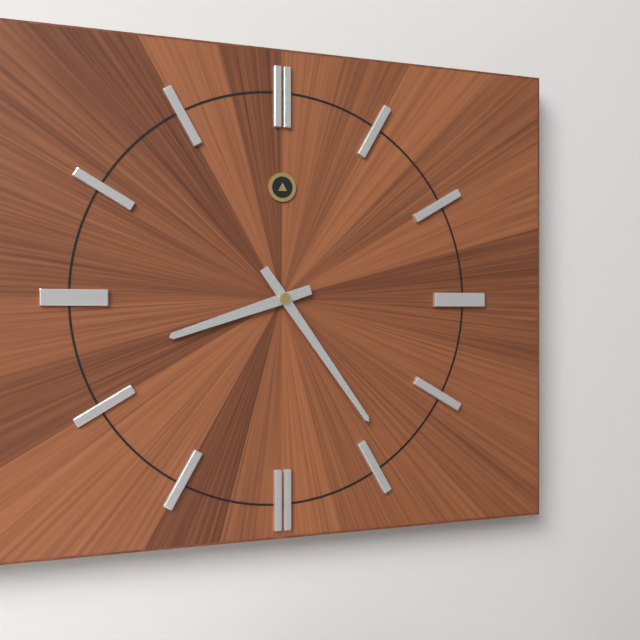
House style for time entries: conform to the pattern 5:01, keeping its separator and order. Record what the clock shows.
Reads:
8:24
